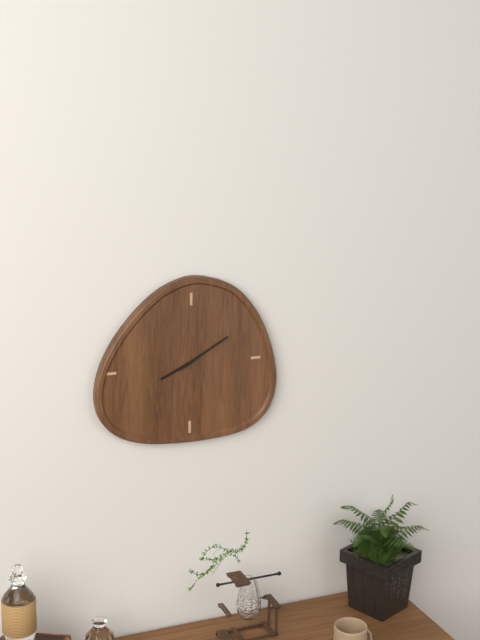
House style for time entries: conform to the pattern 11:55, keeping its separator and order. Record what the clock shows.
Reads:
8:10
